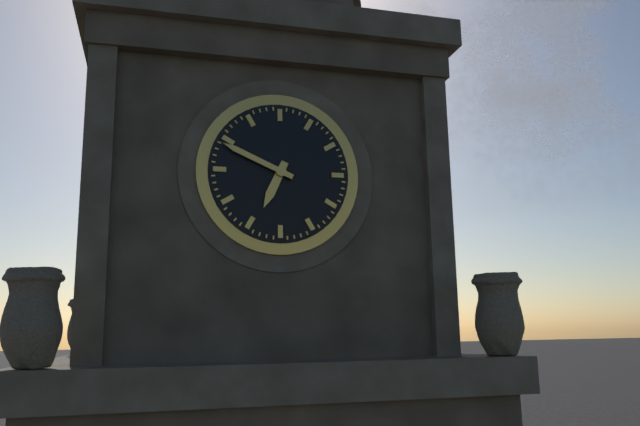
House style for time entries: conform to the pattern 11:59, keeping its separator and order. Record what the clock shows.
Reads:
6:49
